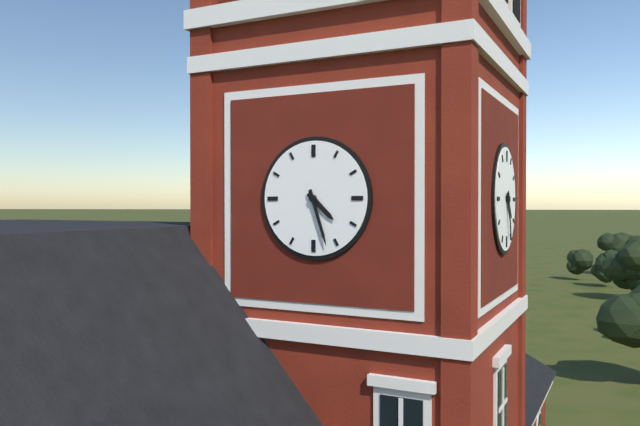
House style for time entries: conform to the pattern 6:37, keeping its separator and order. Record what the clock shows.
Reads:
4:27
